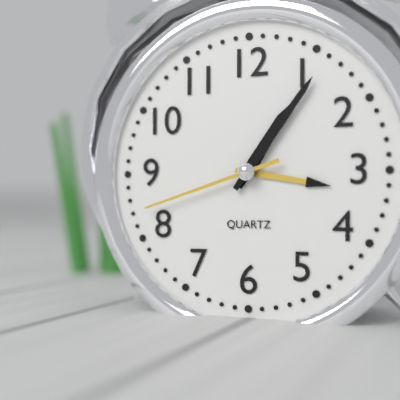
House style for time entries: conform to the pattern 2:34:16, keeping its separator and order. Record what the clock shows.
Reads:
1:06:42
